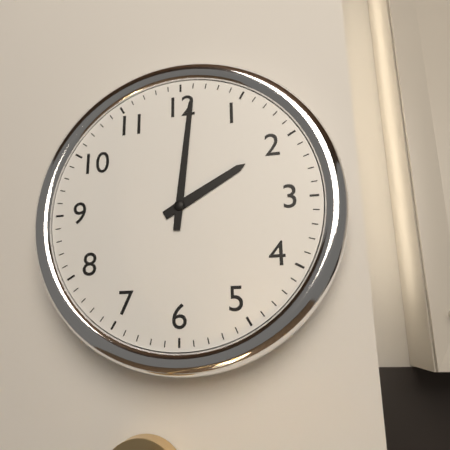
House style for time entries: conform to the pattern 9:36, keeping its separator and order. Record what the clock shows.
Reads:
2:01
